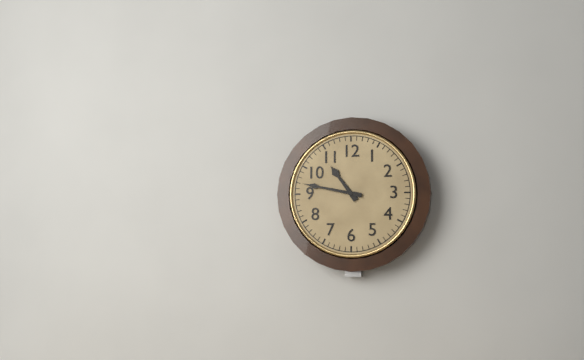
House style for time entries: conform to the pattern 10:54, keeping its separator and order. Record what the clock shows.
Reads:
10:47
